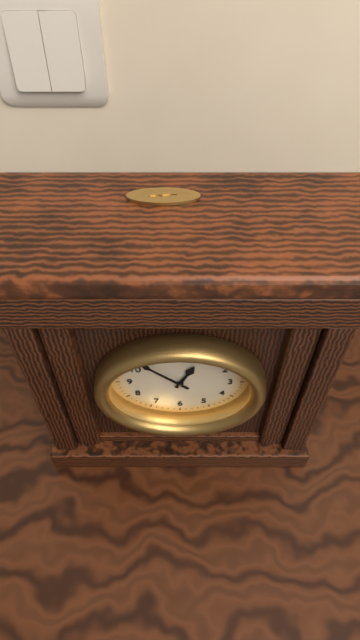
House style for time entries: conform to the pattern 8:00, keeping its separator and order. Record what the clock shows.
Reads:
12:52
